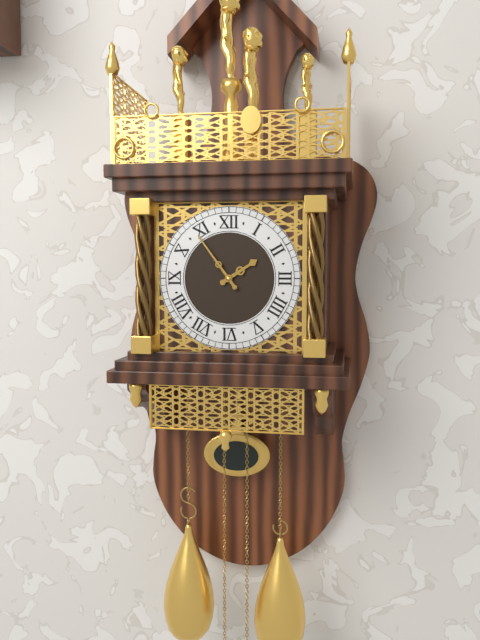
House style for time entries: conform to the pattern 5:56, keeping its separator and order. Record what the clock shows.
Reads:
1:54
